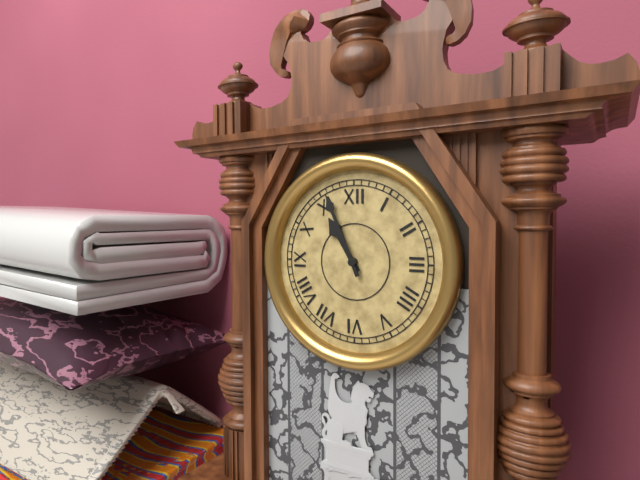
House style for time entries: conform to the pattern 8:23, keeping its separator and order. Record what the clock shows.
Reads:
10:56
